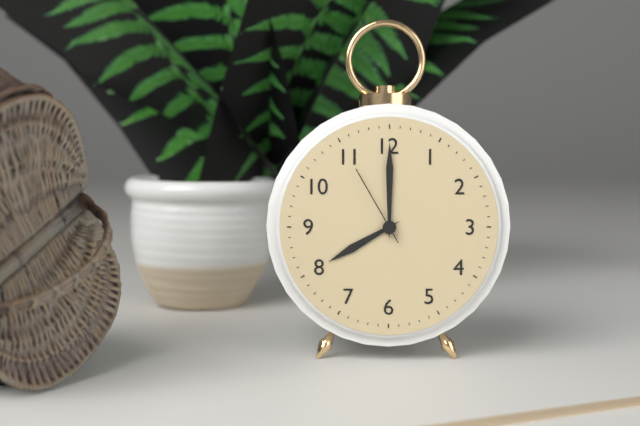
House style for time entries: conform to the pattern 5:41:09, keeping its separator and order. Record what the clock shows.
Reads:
8:00:55
